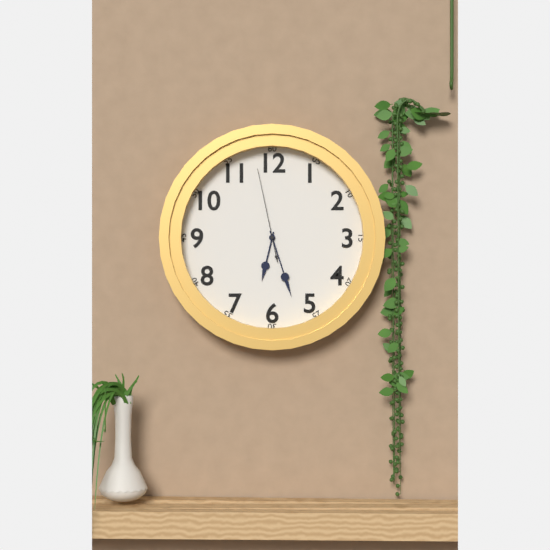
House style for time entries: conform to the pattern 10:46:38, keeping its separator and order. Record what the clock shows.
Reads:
6:27:58
